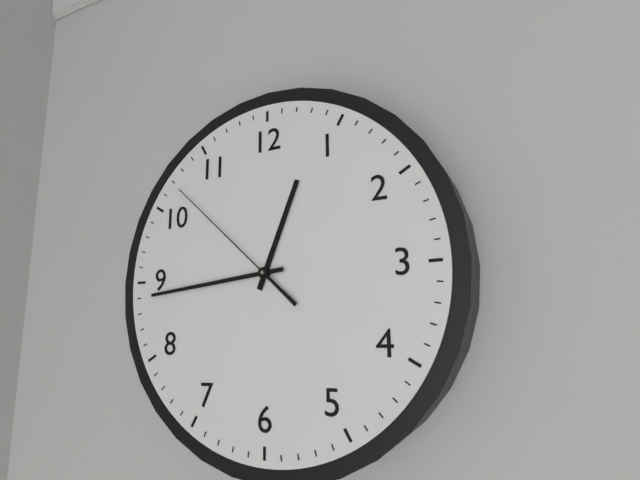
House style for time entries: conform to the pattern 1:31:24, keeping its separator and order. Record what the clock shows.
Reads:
12:44:52
